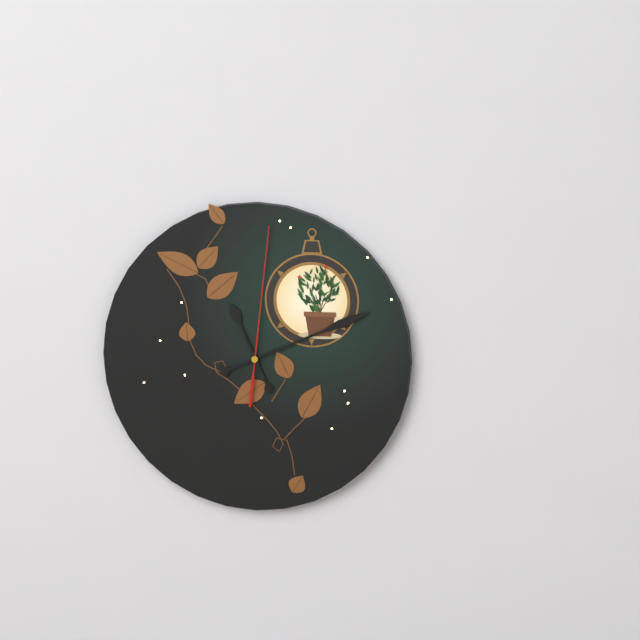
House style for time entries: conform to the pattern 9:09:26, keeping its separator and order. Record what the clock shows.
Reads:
11:11:01
